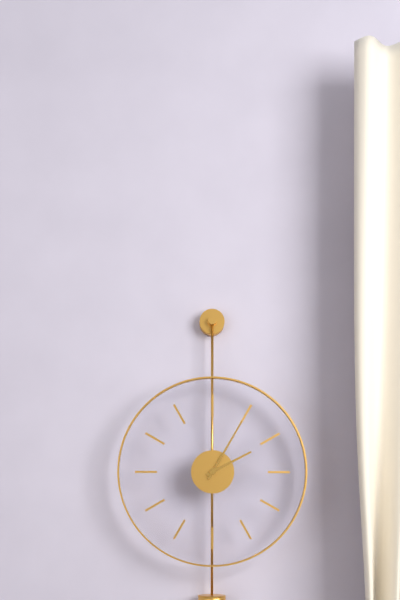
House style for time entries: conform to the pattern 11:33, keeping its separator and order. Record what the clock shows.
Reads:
2:05
